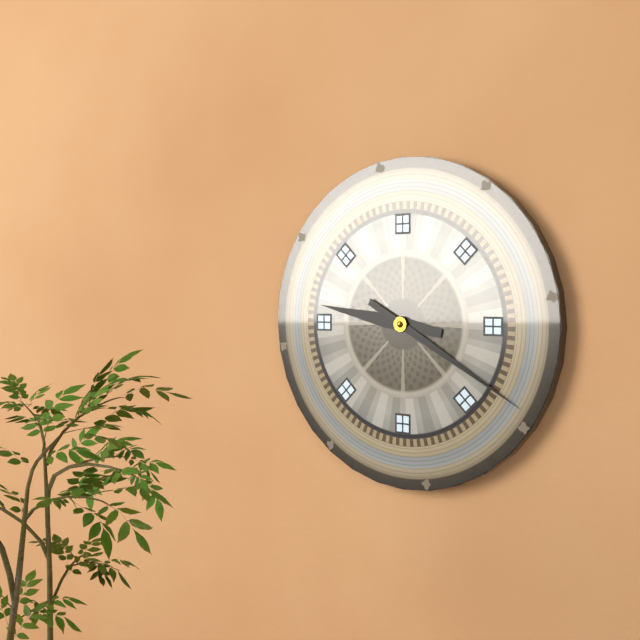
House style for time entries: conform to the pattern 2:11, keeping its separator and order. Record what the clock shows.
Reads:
9:20
